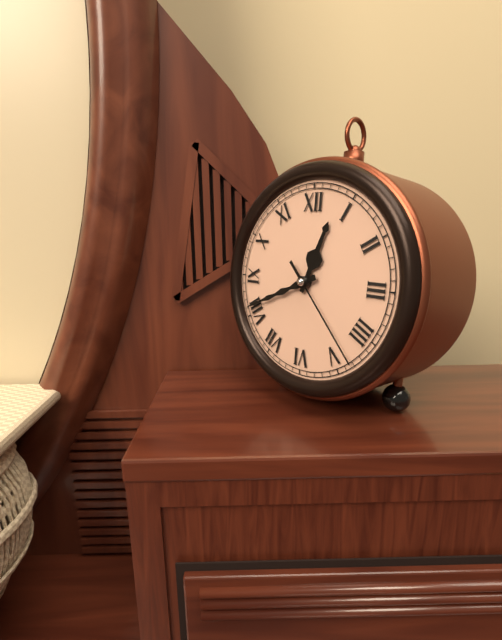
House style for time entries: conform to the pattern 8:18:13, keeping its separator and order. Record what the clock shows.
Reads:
12:41:23
